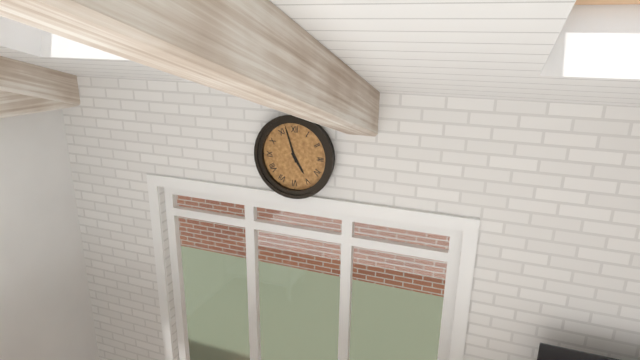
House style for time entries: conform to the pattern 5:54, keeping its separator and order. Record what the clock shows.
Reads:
4:57
